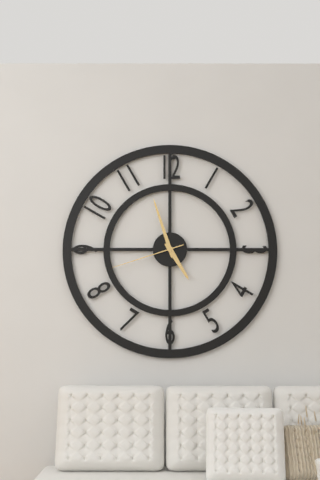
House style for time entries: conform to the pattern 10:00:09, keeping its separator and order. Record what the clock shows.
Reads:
4:57:42
